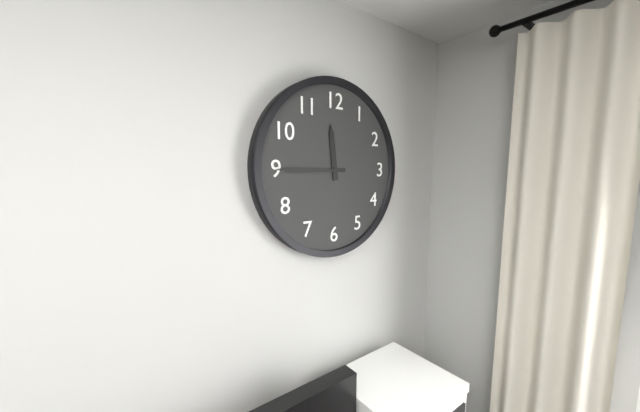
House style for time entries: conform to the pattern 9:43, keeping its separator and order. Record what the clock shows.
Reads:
11:45
